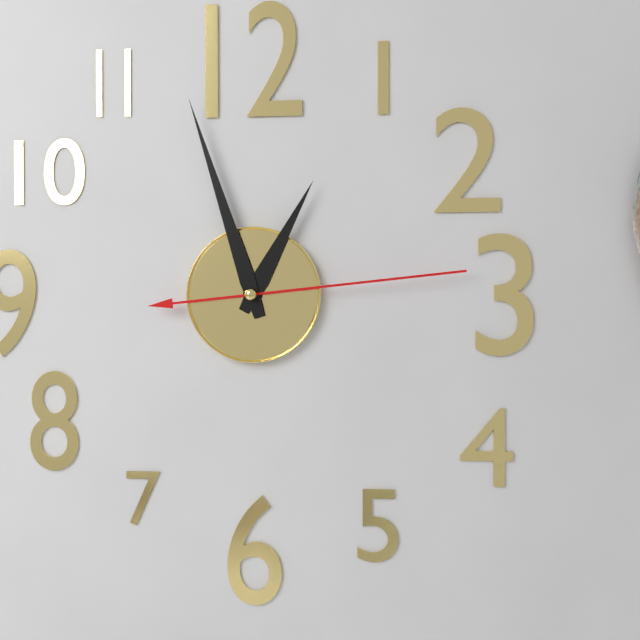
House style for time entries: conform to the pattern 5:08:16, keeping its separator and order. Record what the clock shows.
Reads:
12:57:14
